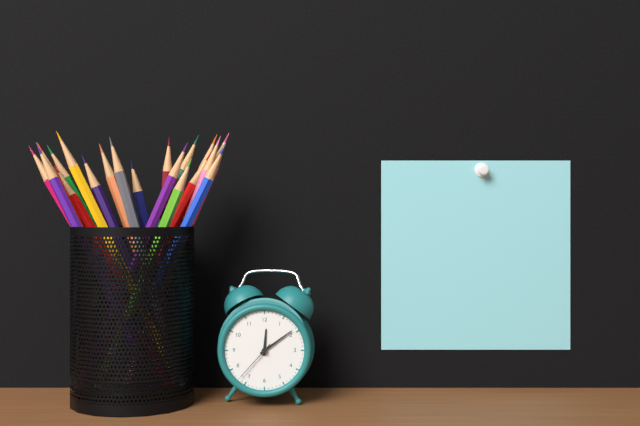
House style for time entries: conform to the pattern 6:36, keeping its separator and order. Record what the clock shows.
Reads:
12:09
